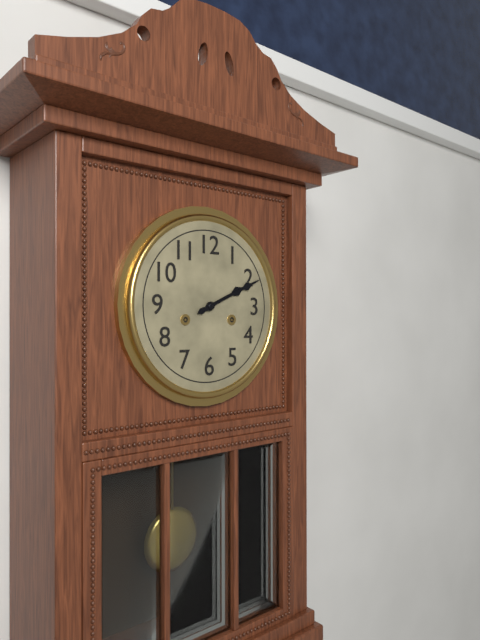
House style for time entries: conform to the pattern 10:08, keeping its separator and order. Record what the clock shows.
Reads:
2:11
